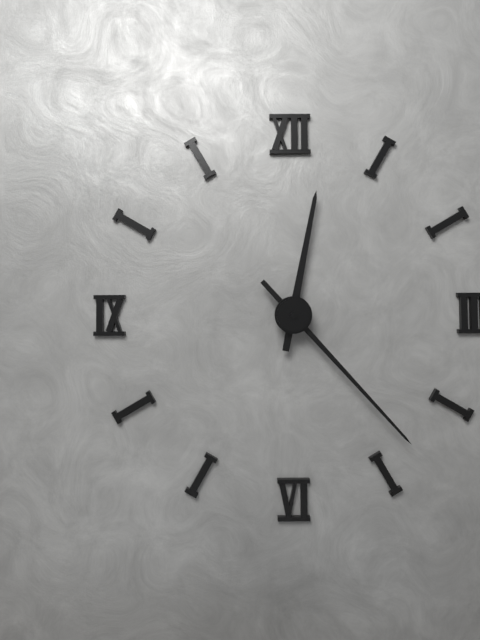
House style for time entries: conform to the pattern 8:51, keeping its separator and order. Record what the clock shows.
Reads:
12:23
